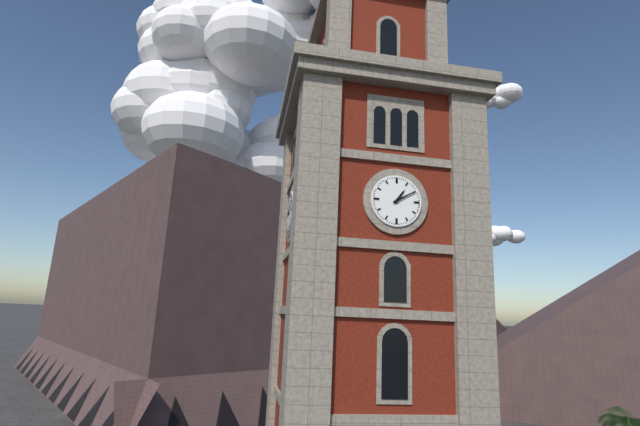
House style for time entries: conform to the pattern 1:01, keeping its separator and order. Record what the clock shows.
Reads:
1:10
